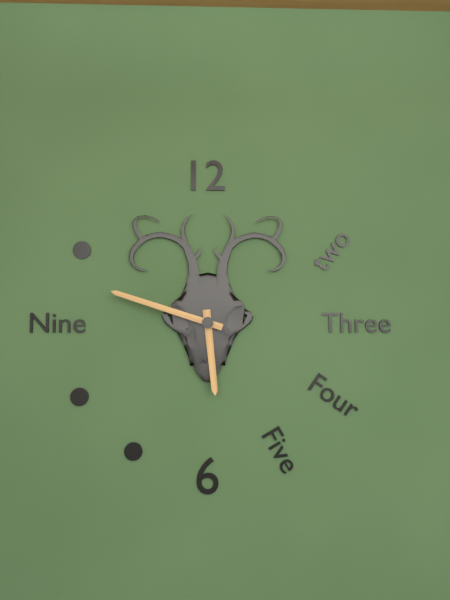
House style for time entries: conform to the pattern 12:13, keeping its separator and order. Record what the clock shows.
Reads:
5:48
